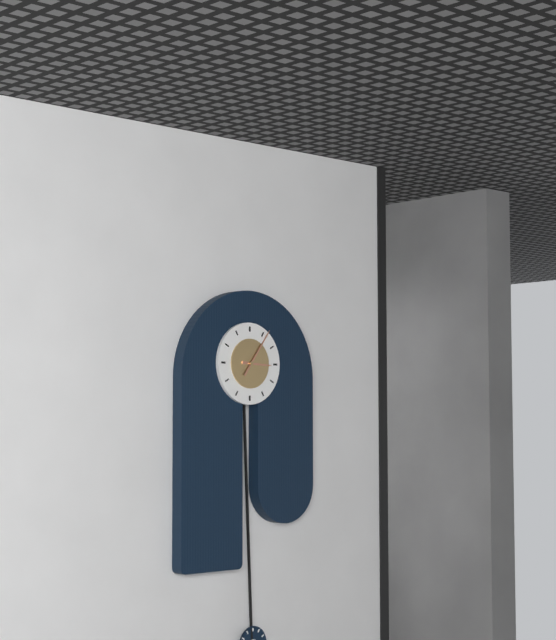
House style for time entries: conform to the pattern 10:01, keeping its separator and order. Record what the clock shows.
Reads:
3:06
